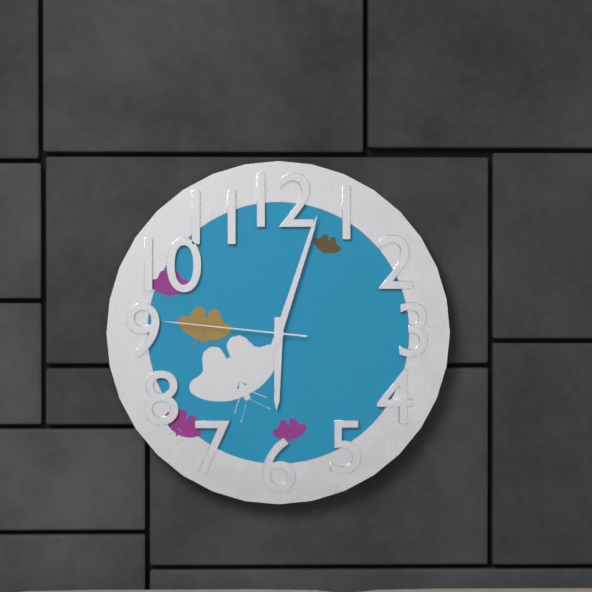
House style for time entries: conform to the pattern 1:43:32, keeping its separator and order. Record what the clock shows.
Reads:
6:03:46
